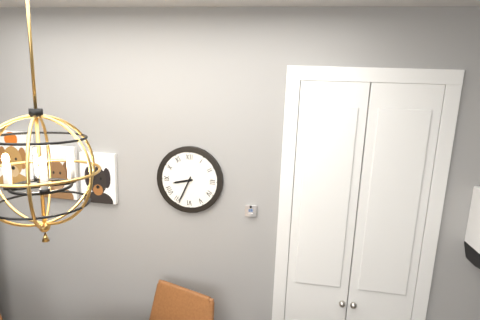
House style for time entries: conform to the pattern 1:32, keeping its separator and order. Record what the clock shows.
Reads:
8:34
